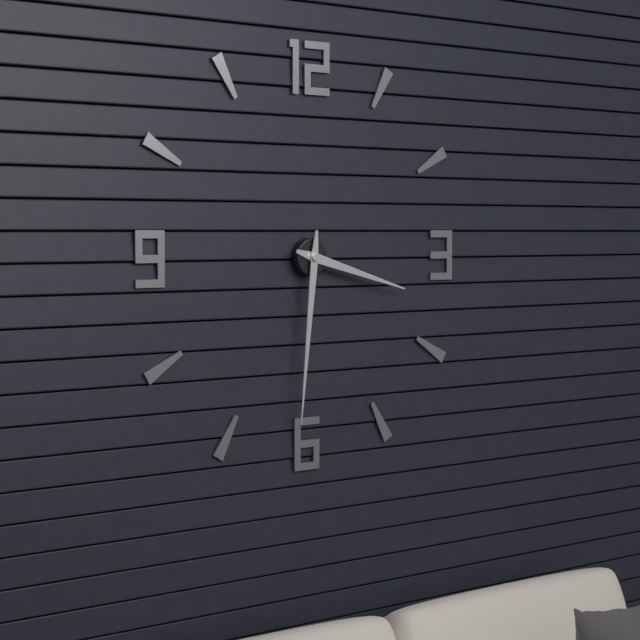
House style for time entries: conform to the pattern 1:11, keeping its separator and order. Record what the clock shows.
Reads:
3:31
